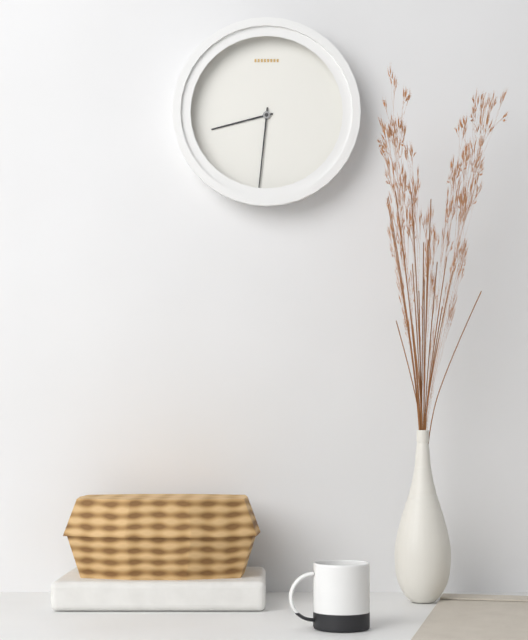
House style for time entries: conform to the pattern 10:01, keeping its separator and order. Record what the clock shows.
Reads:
8:31
